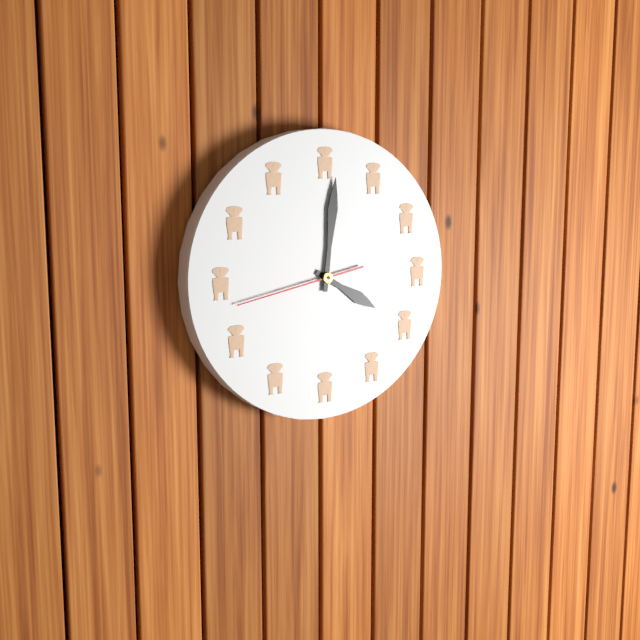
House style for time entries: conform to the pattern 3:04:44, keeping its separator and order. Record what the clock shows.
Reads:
4:01:43
